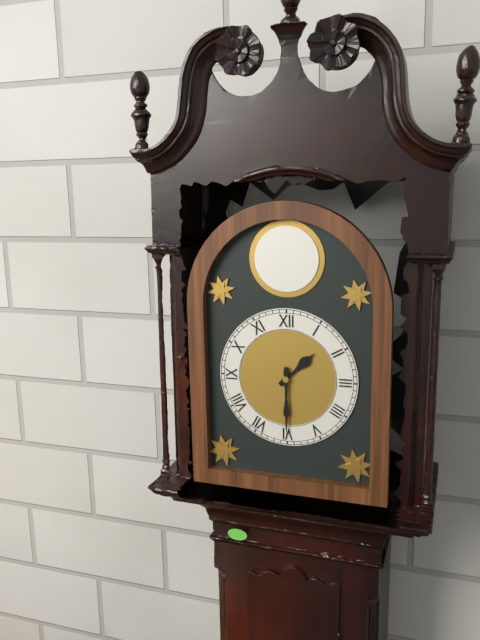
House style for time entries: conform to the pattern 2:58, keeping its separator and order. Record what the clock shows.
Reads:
1:30
